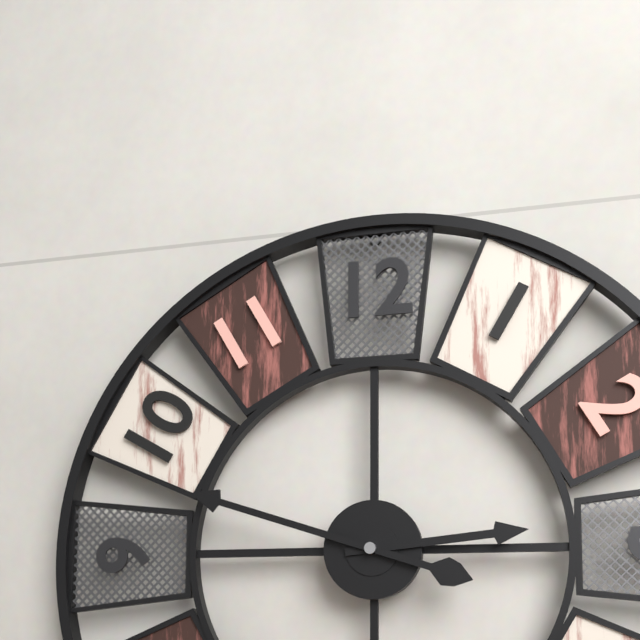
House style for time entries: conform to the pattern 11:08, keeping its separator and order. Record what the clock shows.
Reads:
2:48
